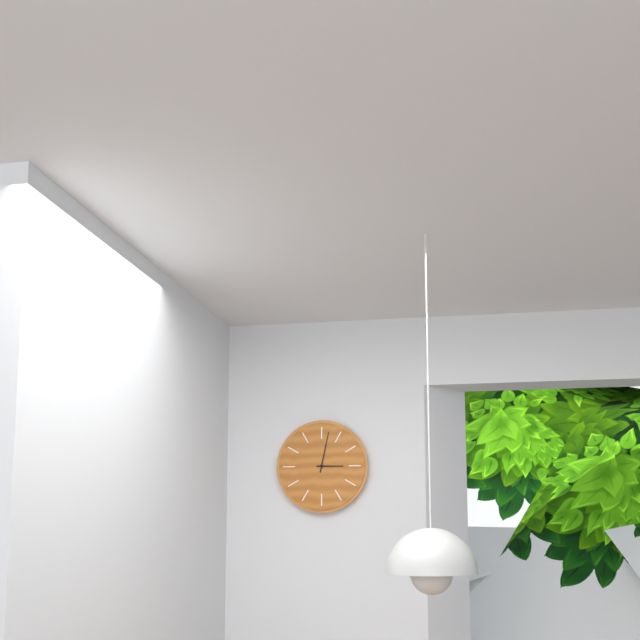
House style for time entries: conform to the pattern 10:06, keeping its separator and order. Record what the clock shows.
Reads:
3:02
